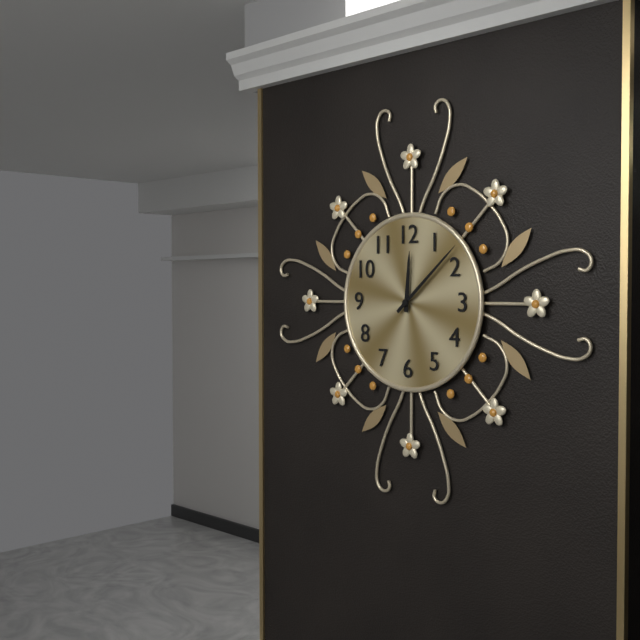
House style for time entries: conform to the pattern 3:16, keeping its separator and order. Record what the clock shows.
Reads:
12:08
